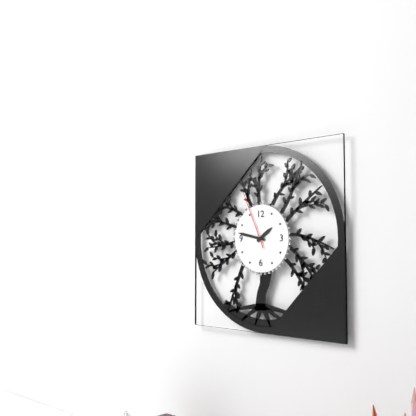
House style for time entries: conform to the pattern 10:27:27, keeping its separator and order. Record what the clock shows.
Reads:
1:47:56
